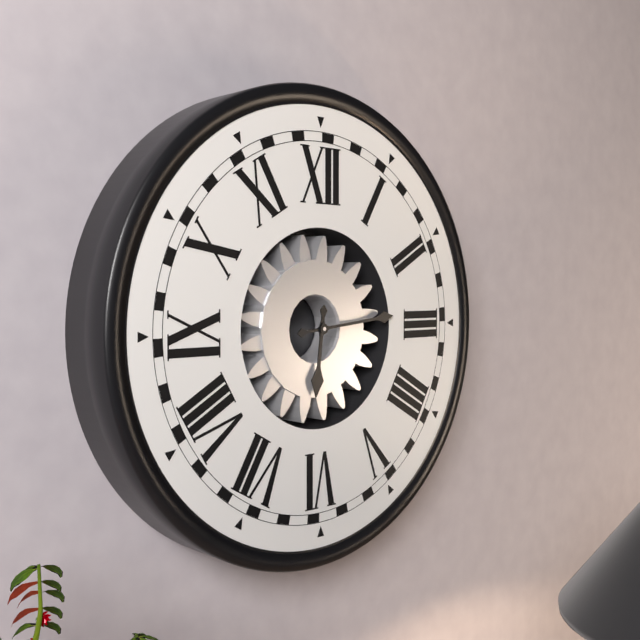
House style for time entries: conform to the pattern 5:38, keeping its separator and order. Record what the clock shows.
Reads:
6:14
